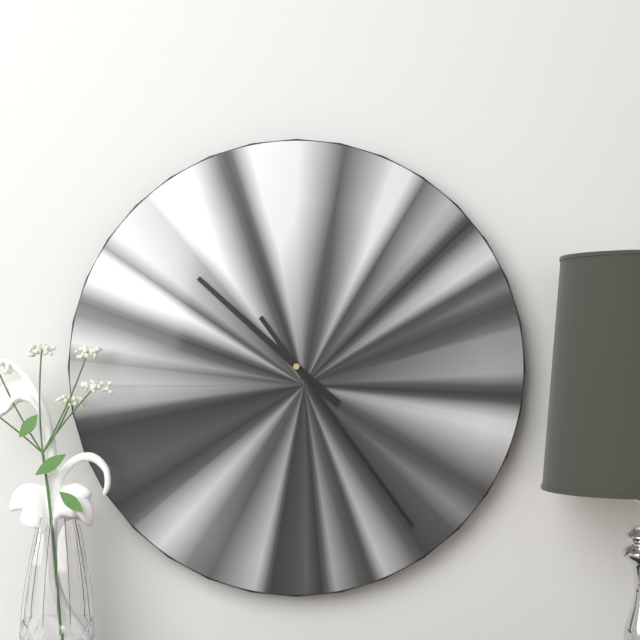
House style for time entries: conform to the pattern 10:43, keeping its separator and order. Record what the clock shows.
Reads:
10:24
